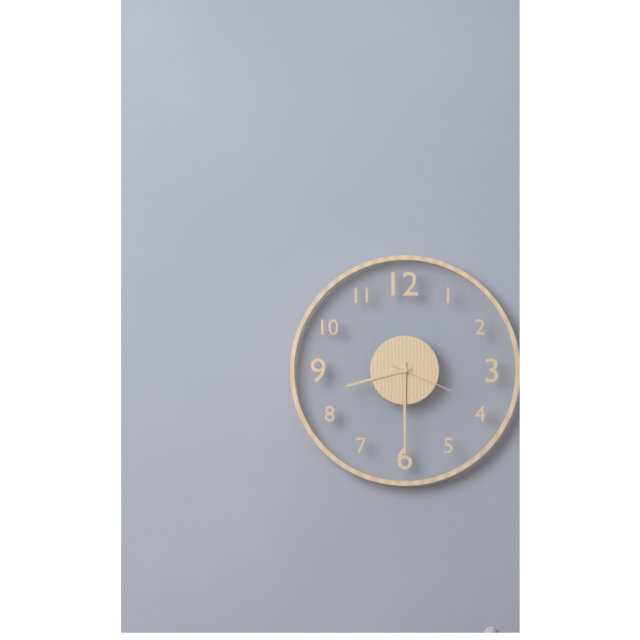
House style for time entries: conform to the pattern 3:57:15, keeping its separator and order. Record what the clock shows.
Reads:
8:30:19
